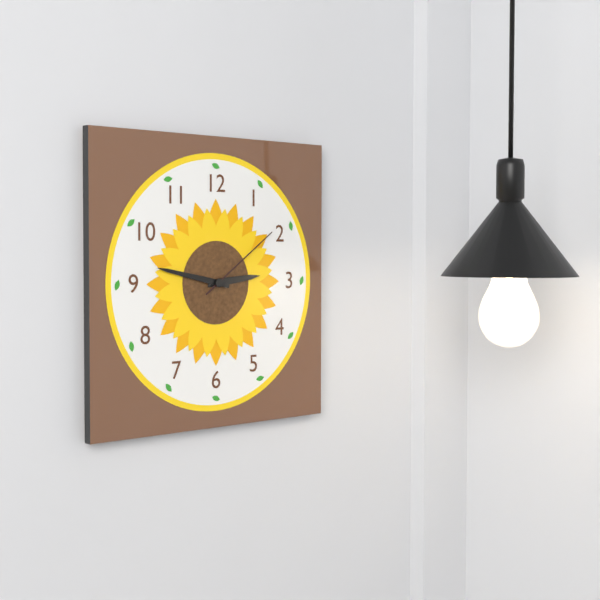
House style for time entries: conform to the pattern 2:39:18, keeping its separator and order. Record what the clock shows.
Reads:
2:47:09
